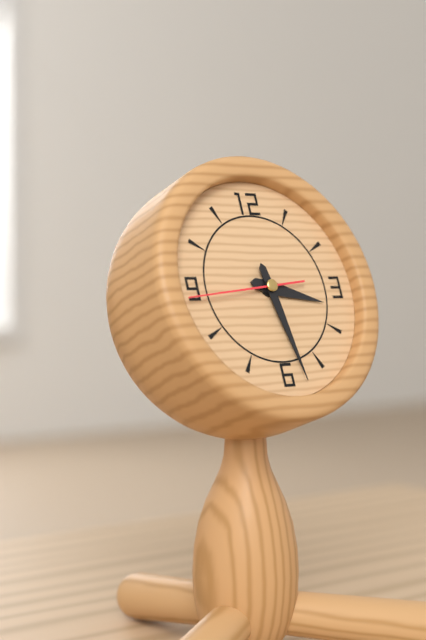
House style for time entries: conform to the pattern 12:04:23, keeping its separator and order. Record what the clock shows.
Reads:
3:28:44
